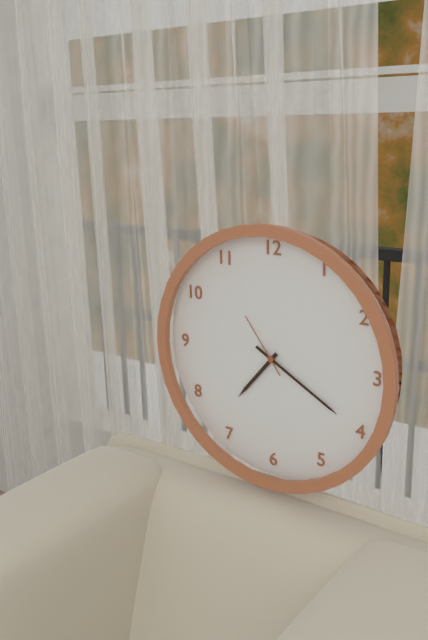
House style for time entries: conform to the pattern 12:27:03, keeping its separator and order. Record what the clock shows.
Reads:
7:20:54
